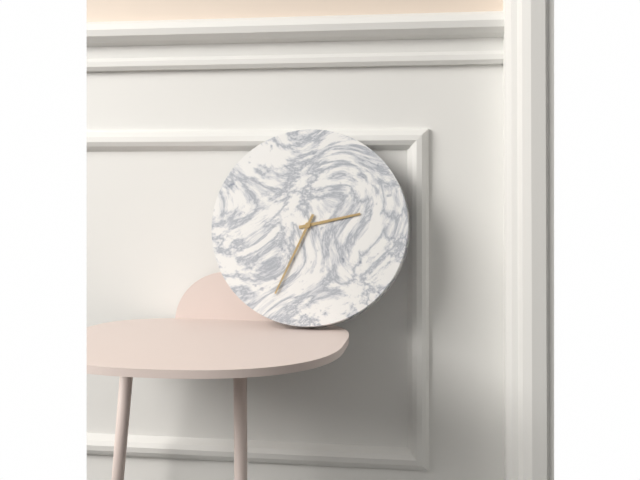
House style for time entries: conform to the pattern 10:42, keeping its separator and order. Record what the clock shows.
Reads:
2:34
